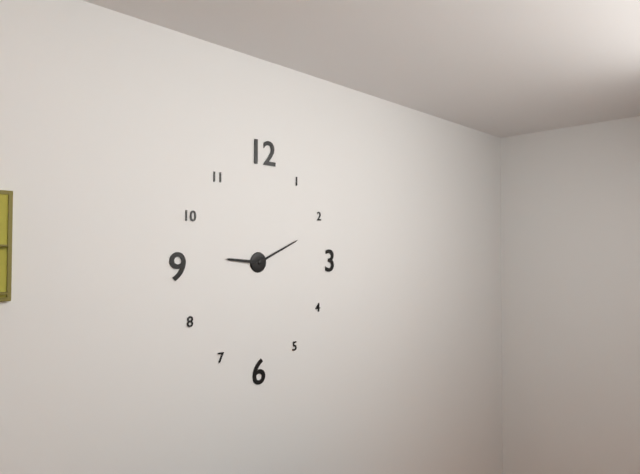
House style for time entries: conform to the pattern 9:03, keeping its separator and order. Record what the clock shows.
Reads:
9:11
